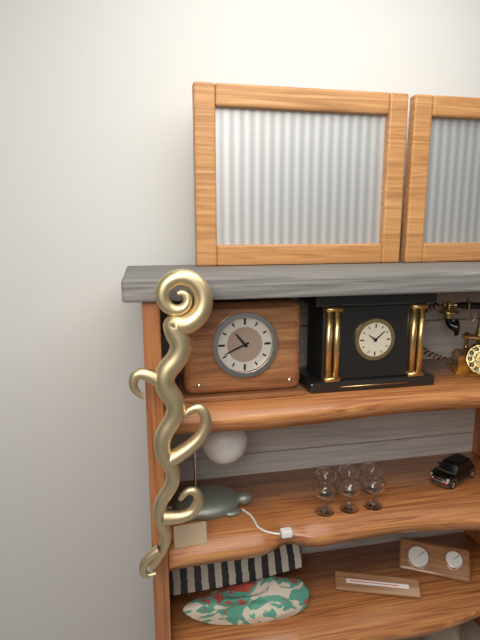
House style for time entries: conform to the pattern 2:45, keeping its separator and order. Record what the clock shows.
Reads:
10:41
